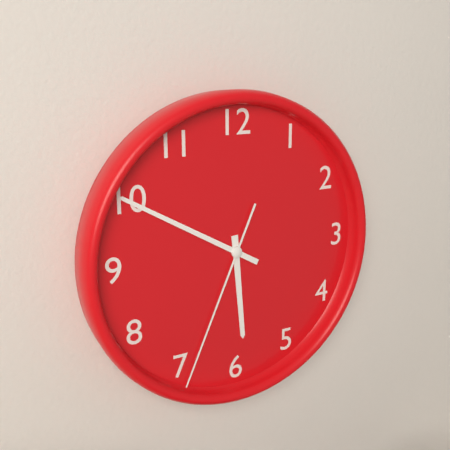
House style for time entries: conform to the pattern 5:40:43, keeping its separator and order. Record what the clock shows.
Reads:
5:50:34
